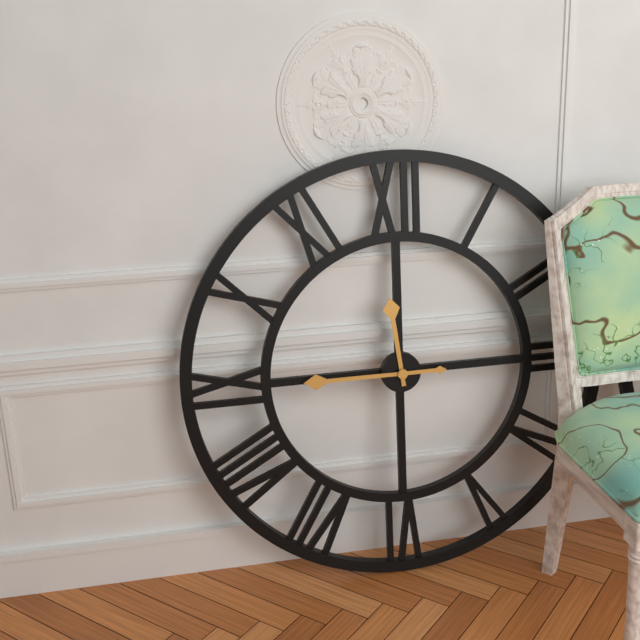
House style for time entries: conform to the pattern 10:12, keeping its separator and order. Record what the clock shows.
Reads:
11:45
